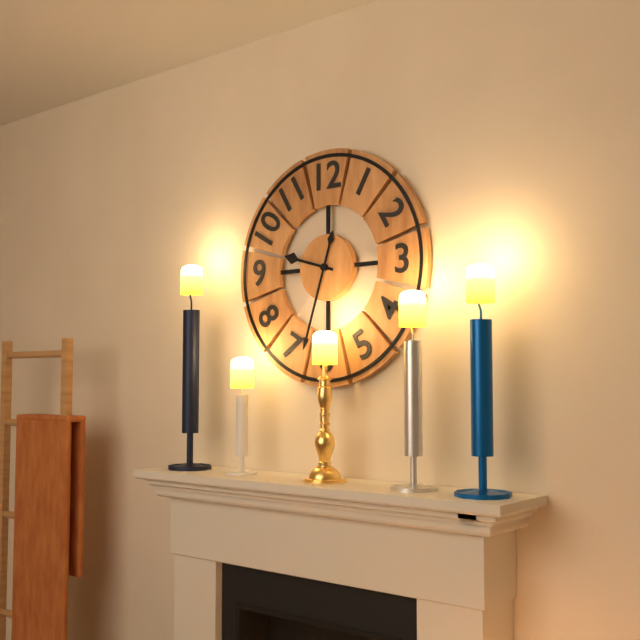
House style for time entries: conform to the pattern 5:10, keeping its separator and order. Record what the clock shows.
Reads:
9:33
